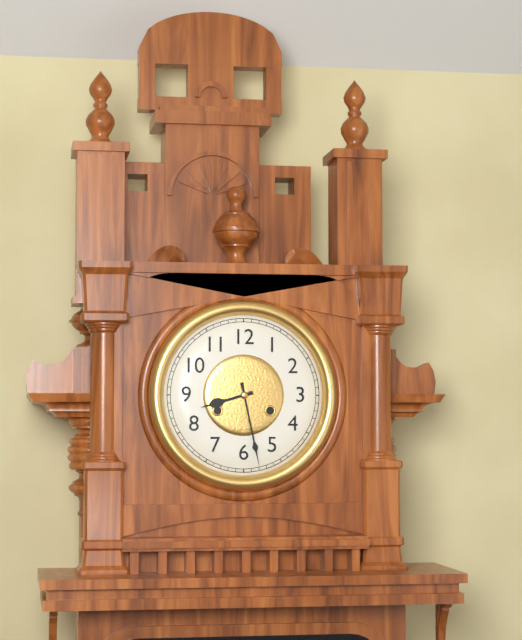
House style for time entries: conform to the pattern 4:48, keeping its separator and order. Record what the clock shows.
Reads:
8:28
